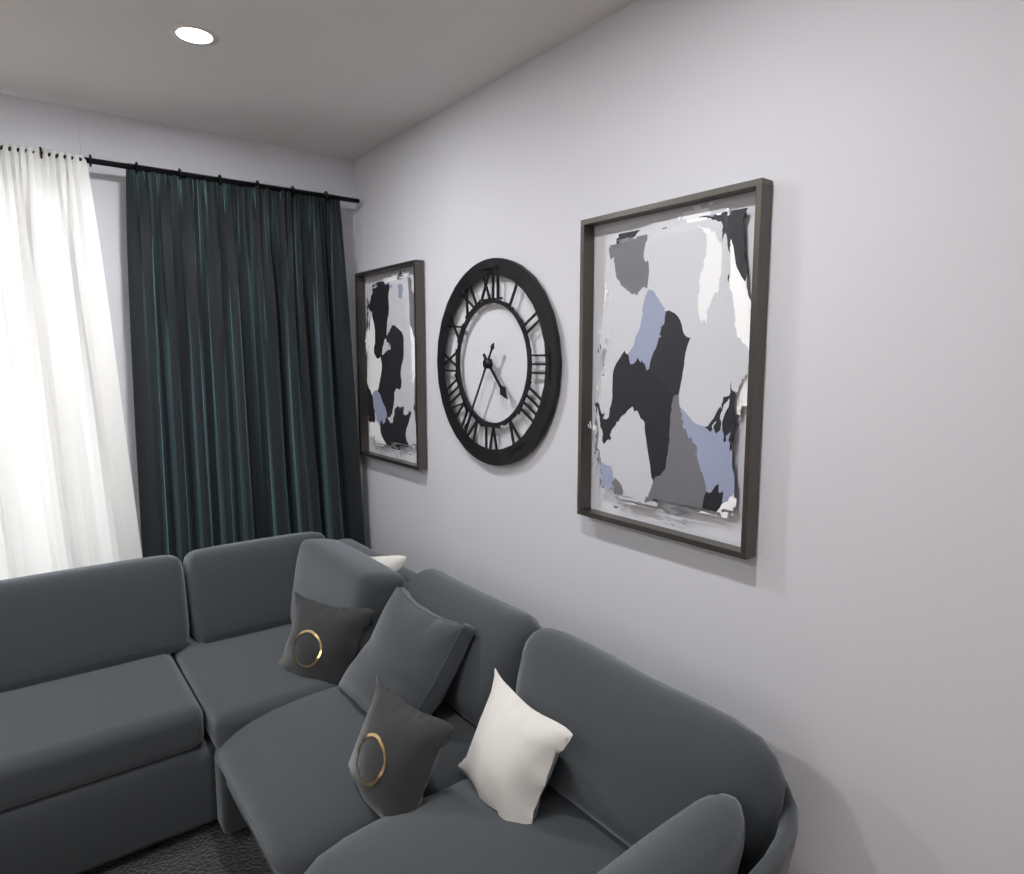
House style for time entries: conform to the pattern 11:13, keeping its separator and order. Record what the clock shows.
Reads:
4:35
